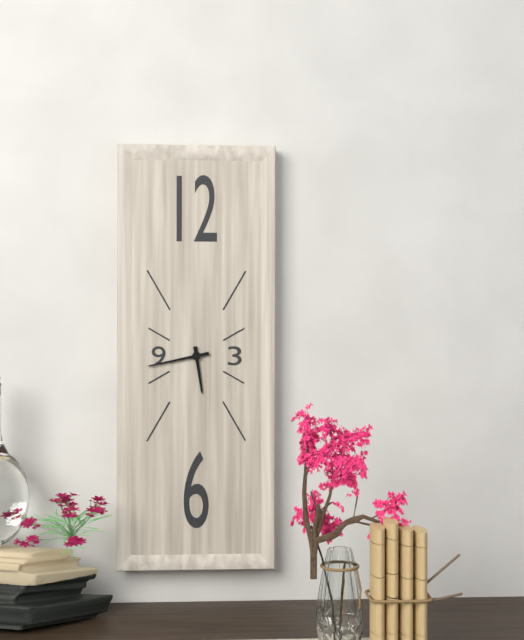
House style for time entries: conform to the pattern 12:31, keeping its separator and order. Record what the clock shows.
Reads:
5:43
